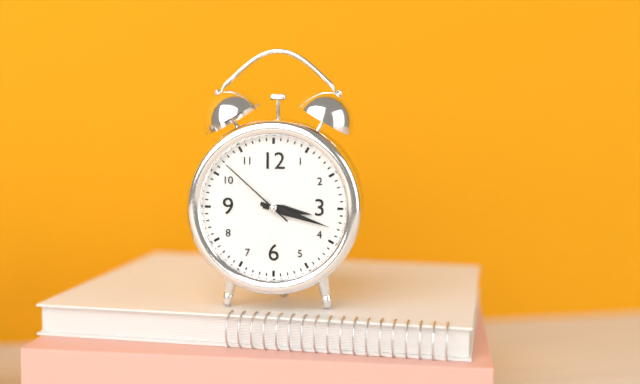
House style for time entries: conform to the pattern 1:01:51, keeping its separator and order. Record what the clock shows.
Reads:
3:18:52
